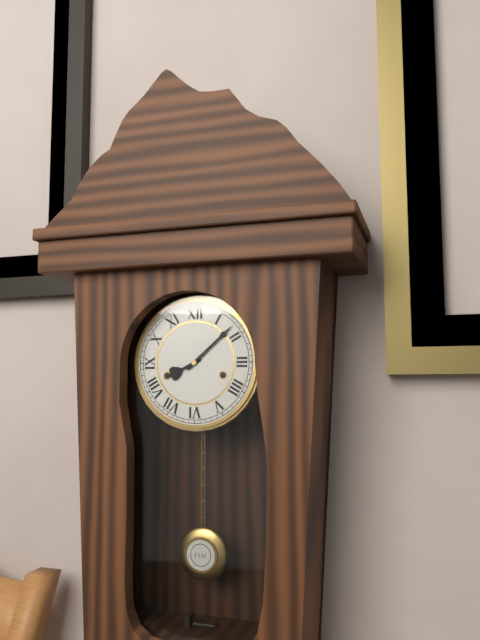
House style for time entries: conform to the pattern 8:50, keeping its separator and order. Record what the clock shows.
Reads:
8:08
